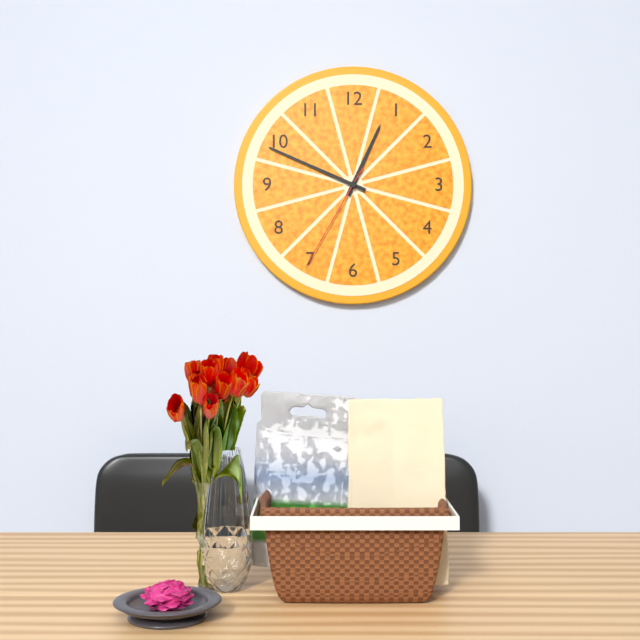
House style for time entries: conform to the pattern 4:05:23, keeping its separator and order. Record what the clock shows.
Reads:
12:49:35
